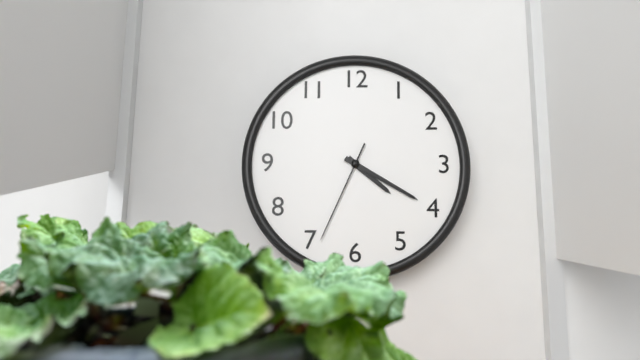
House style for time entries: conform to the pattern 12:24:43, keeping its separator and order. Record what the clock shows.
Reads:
4:20:34
